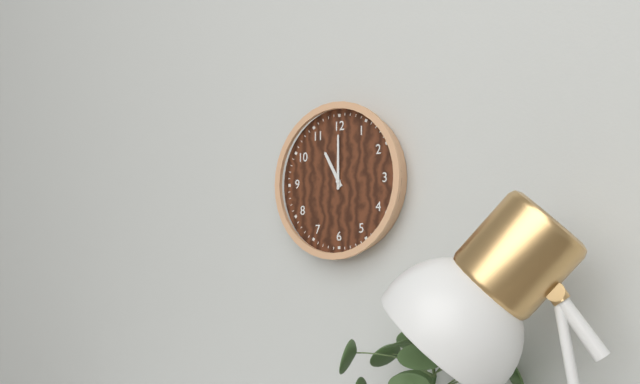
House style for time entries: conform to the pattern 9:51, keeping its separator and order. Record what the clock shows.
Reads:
11:00
